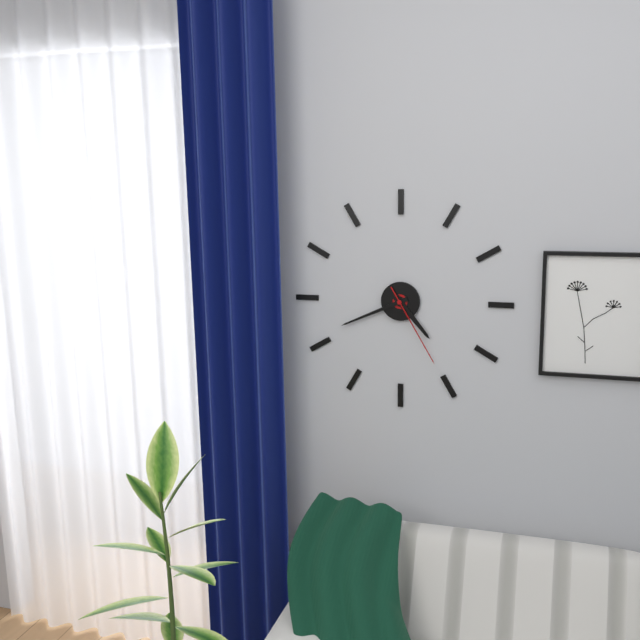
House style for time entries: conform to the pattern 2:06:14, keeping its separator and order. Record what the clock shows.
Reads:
4:41:25
